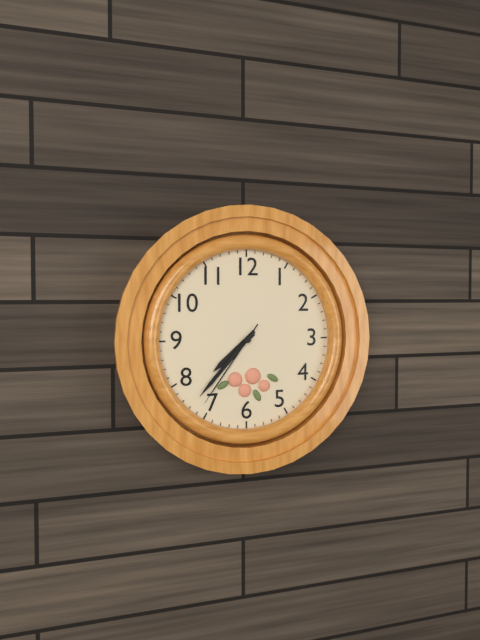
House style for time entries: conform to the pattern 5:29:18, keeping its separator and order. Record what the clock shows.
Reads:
7:37:36
